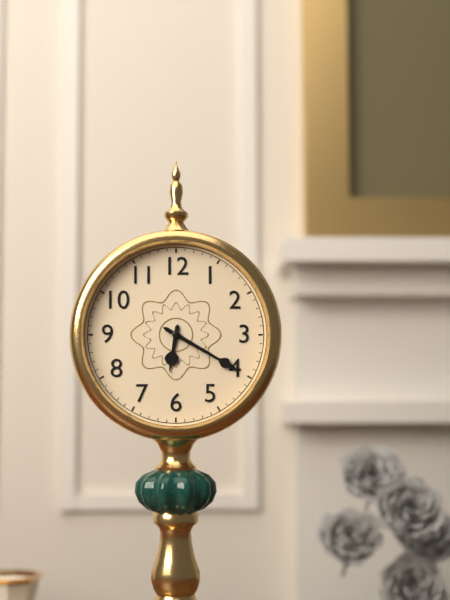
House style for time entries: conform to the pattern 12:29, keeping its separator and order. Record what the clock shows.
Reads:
6:20
